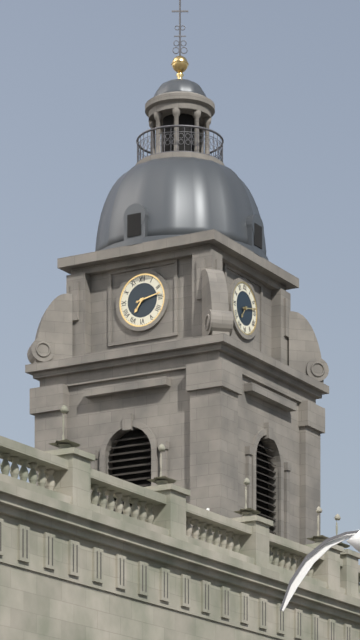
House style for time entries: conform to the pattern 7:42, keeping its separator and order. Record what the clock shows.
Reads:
7:13
